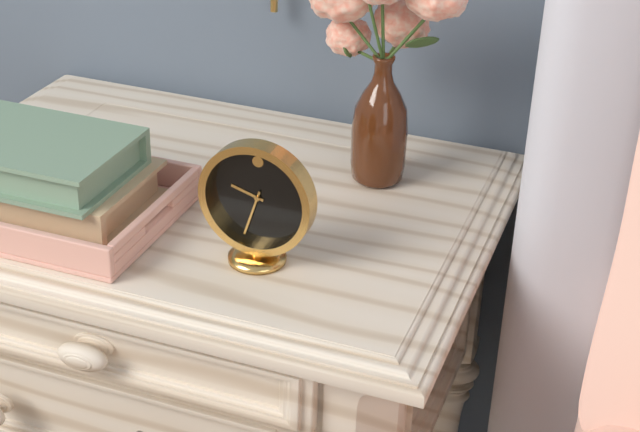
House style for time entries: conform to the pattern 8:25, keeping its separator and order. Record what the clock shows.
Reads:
9:33
